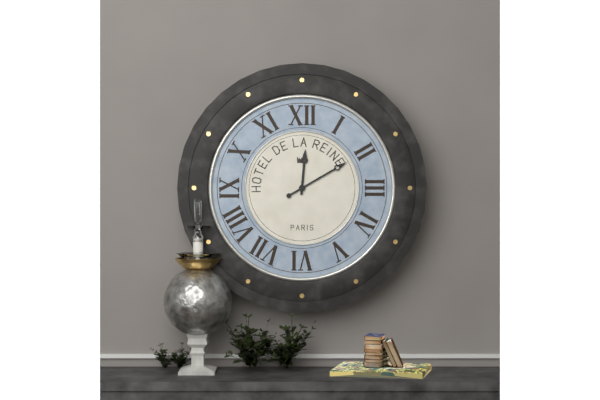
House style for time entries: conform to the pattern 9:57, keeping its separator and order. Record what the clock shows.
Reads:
12:10
